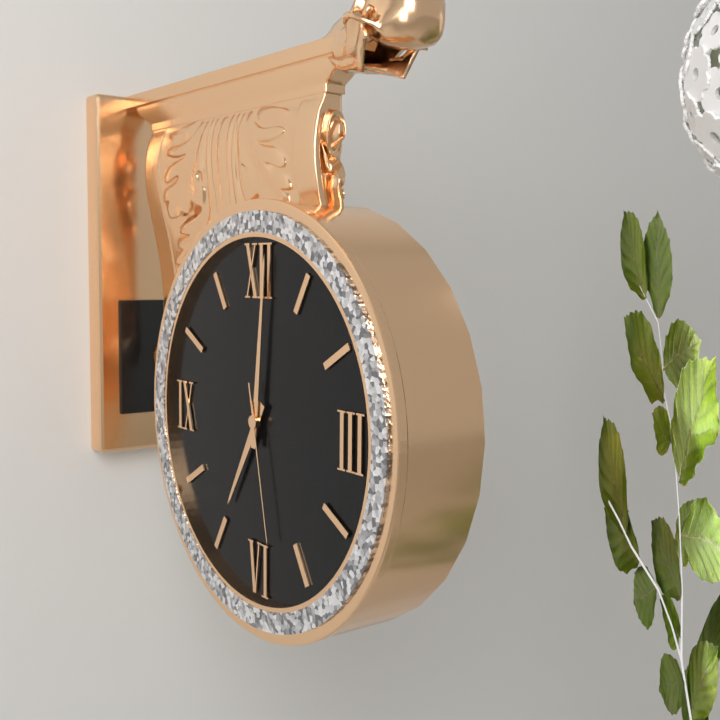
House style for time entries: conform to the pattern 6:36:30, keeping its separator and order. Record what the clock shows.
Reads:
7:01:28
